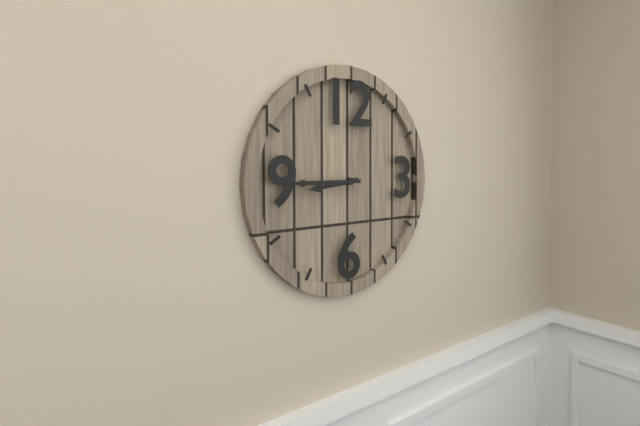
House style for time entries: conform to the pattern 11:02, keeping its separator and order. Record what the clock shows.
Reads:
8:45
